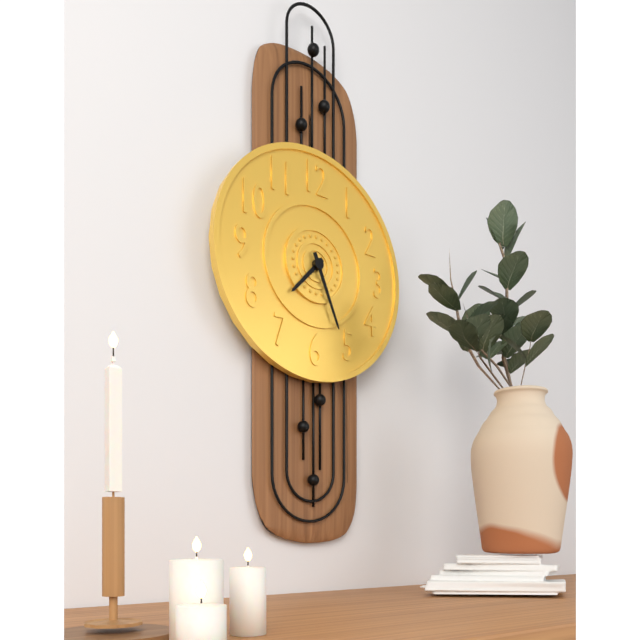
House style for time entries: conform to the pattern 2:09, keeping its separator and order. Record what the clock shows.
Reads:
7:26
